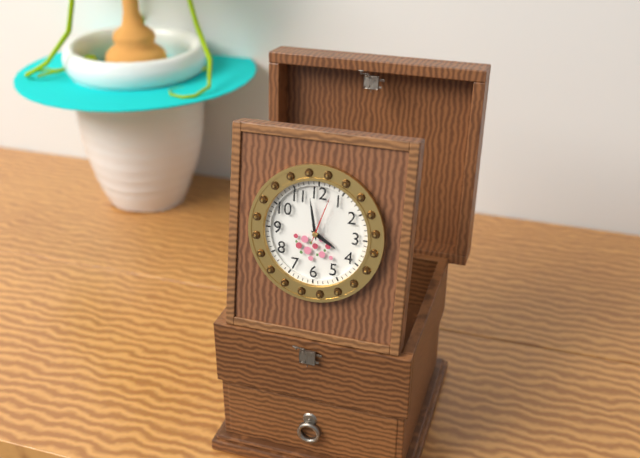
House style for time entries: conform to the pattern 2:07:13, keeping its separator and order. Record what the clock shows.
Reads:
3:58:03
